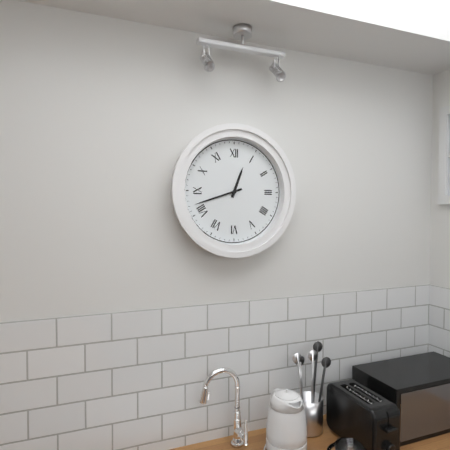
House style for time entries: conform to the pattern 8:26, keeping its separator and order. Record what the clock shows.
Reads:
12:42
